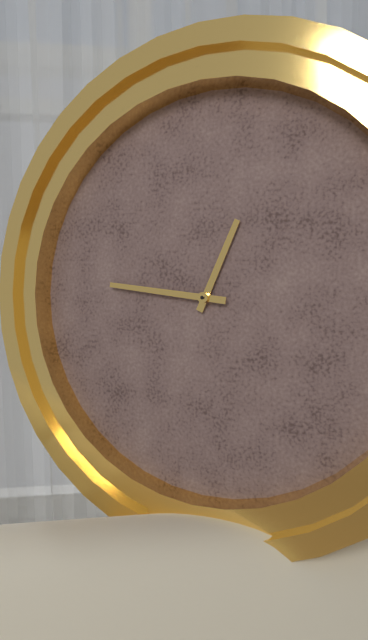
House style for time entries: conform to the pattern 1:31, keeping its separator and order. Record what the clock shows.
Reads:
12:46
